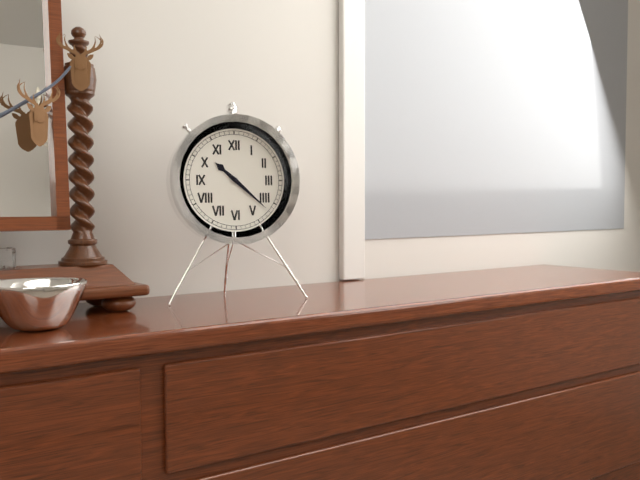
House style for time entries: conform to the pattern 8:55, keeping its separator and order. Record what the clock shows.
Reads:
10:22
